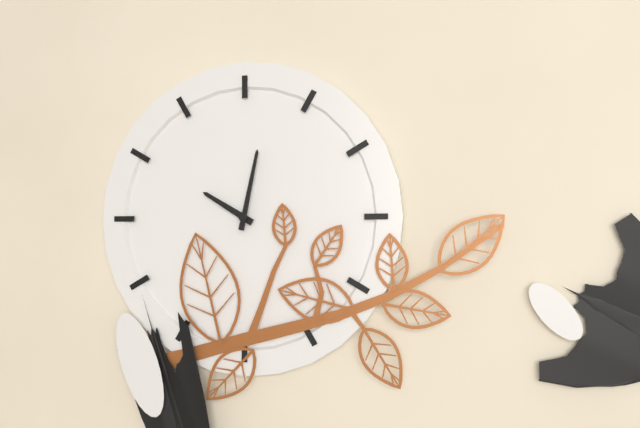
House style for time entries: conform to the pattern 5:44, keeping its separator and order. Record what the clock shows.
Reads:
10:02
